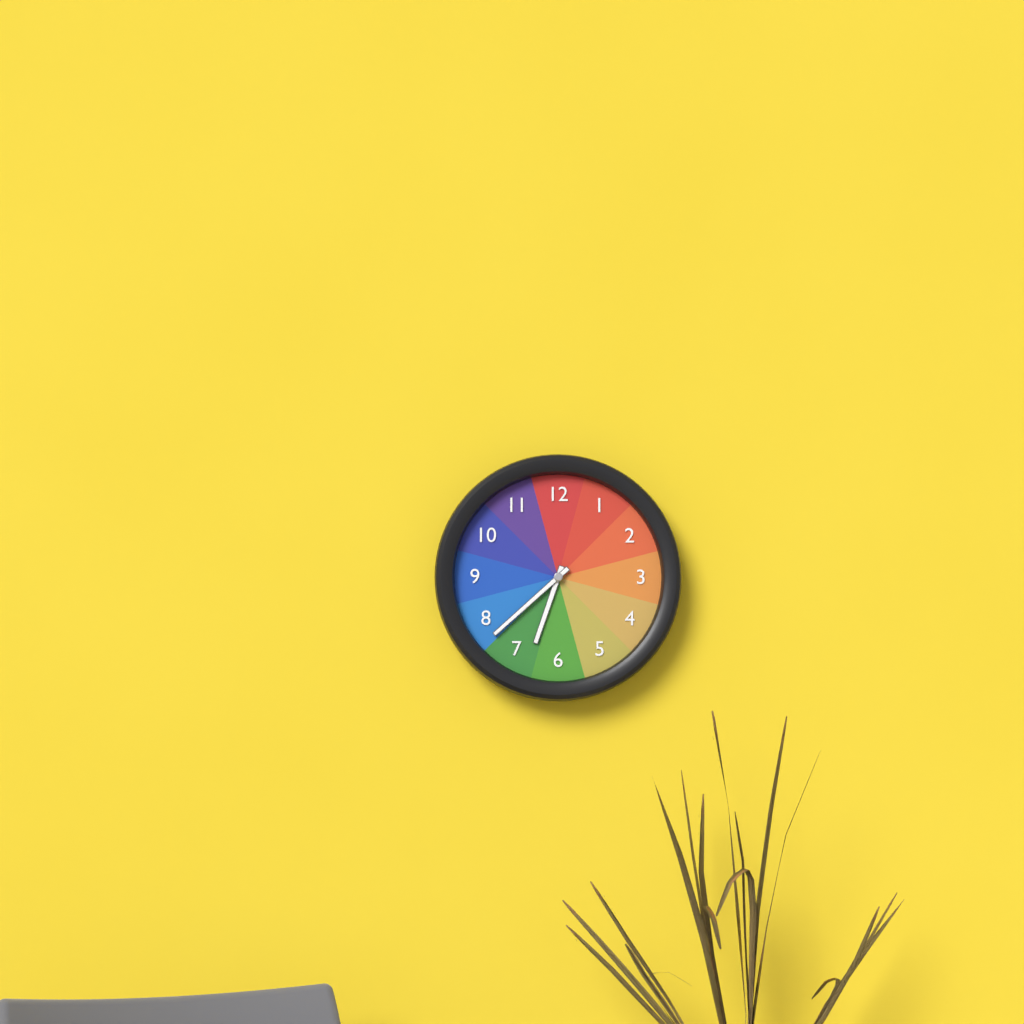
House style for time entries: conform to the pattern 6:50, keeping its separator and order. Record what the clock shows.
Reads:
6:38
